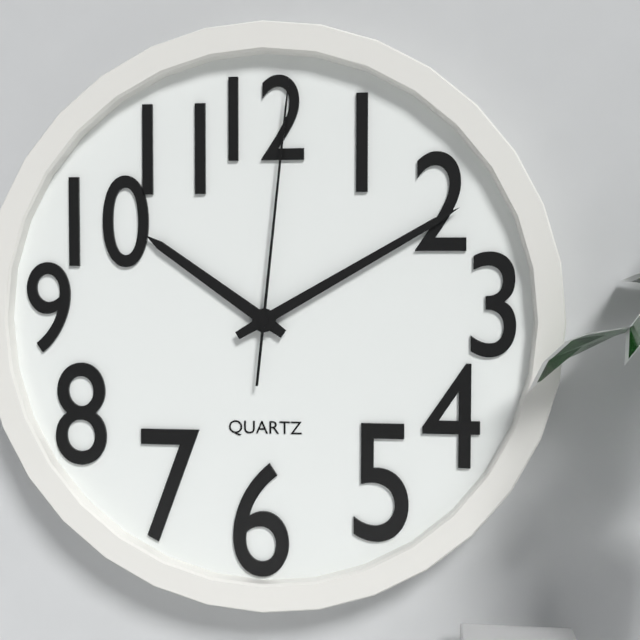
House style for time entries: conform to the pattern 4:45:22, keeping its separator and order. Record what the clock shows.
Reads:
10:10:01
